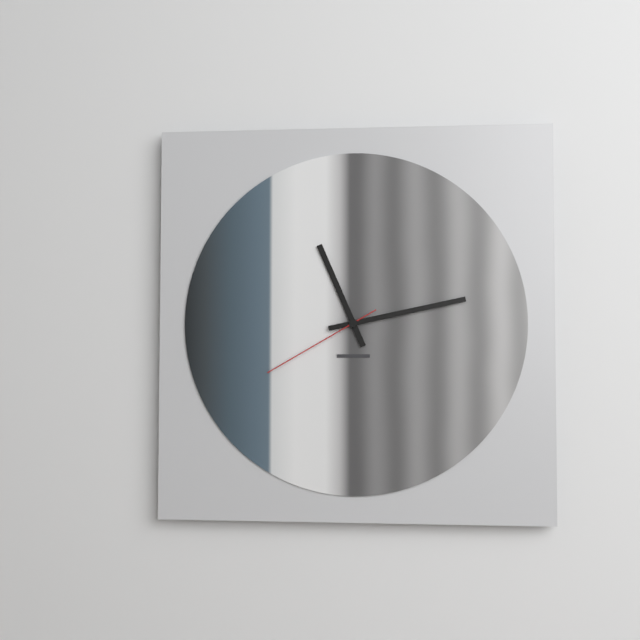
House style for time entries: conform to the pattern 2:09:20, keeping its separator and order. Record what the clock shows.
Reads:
11:13:40
